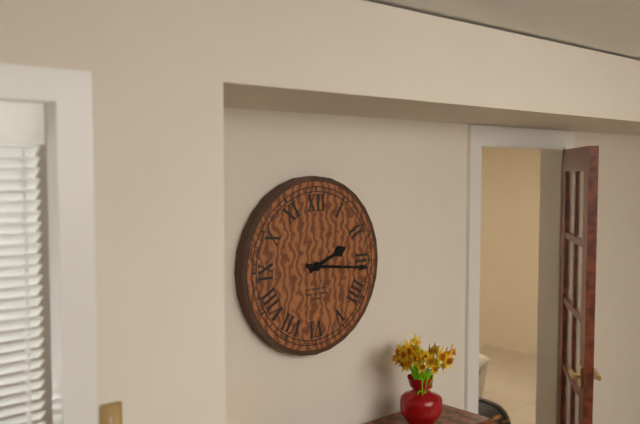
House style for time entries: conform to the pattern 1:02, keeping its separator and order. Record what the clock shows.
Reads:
2:16
